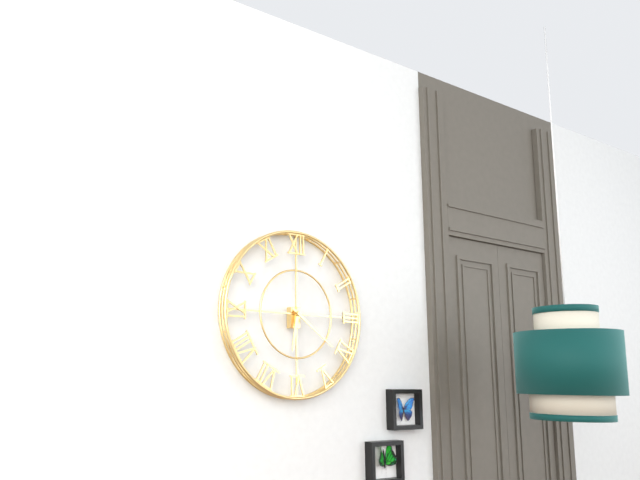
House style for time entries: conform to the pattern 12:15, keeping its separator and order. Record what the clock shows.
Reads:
6:21
